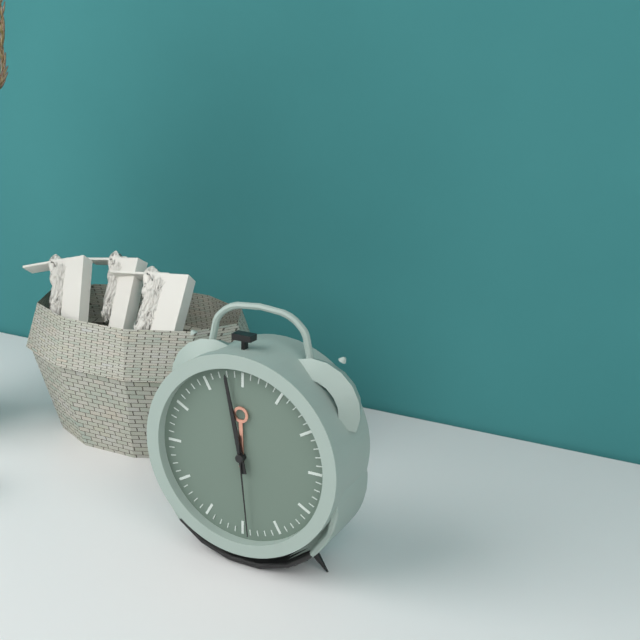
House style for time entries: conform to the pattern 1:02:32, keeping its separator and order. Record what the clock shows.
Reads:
11:58:29
